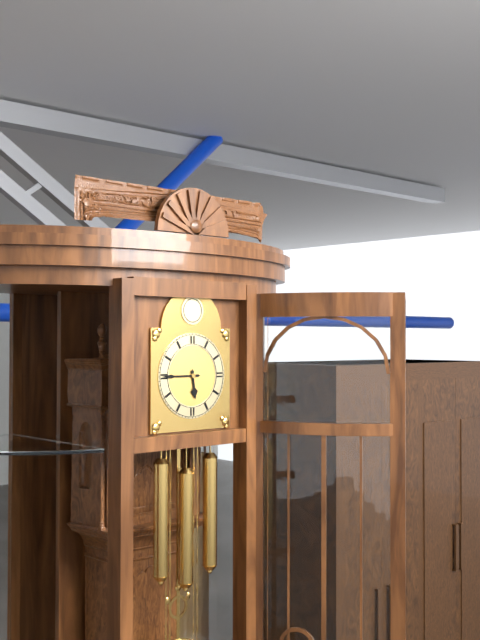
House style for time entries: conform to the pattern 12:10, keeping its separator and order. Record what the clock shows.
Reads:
5:45
